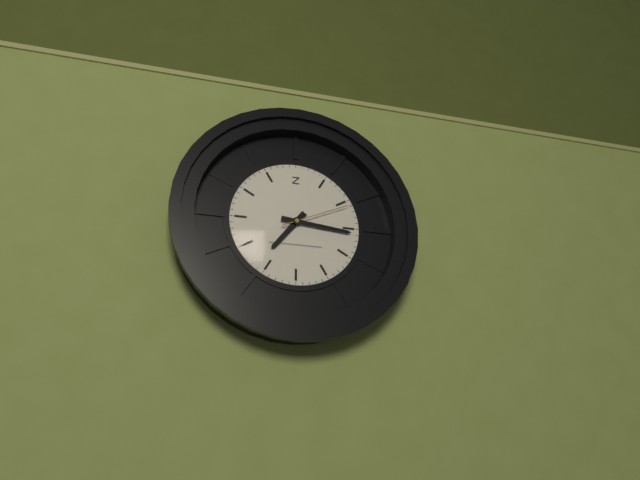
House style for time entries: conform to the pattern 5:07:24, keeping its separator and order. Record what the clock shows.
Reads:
7:16:11
